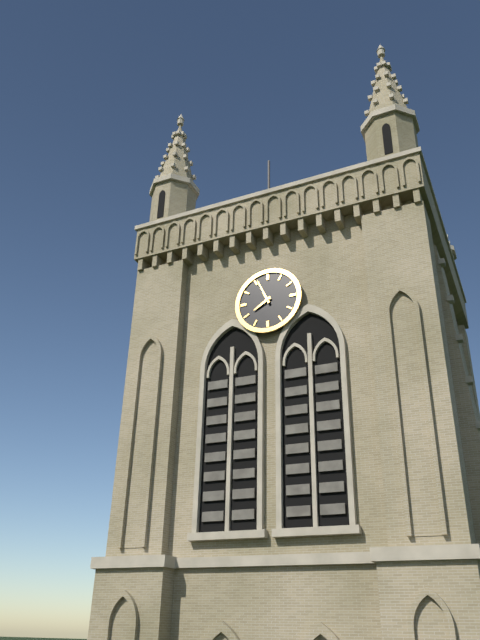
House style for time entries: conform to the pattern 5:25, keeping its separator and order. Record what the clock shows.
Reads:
7:56
